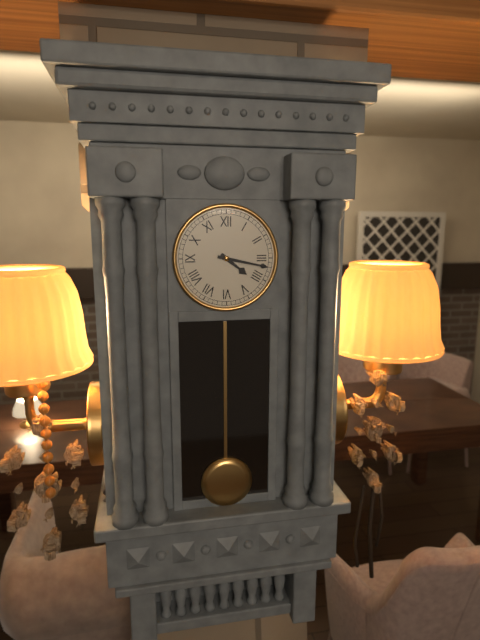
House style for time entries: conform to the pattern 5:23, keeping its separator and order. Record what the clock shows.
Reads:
4:17
